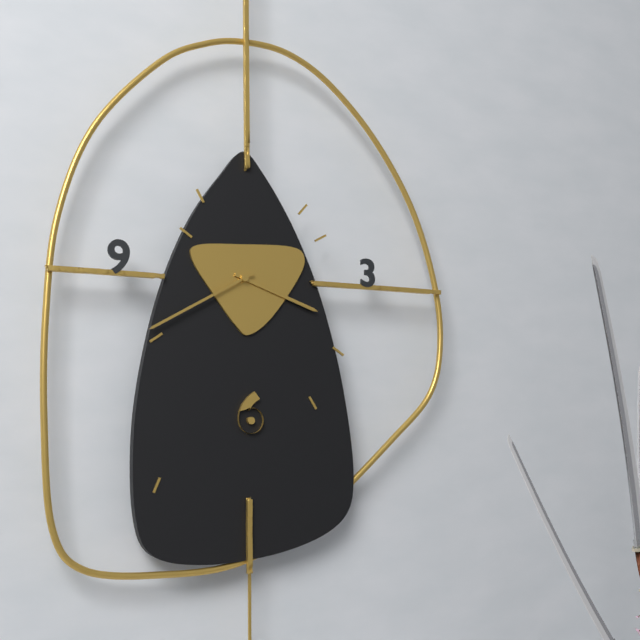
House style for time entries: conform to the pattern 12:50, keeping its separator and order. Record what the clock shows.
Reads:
3:40
